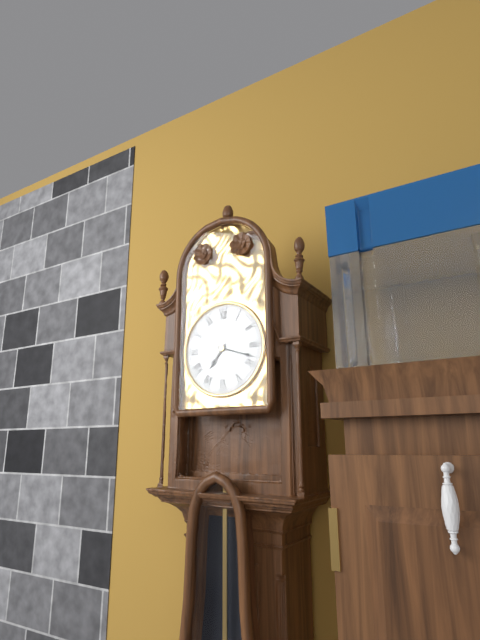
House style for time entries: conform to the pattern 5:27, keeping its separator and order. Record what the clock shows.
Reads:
7:18
